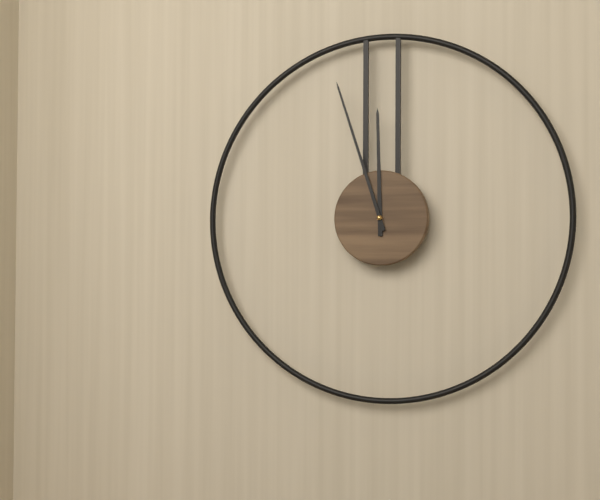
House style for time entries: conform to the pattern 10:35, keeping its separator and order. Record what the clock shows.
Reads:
11:57
